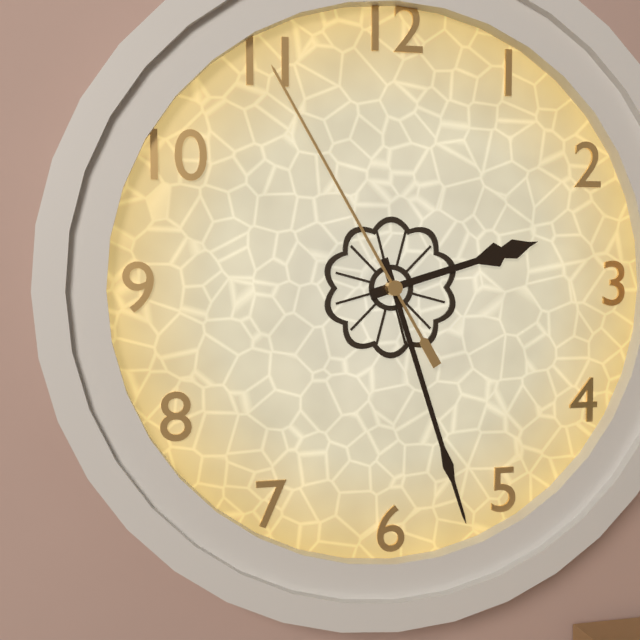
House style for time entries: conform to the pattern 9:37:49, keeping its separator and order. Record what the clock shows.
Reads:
2:27:55
